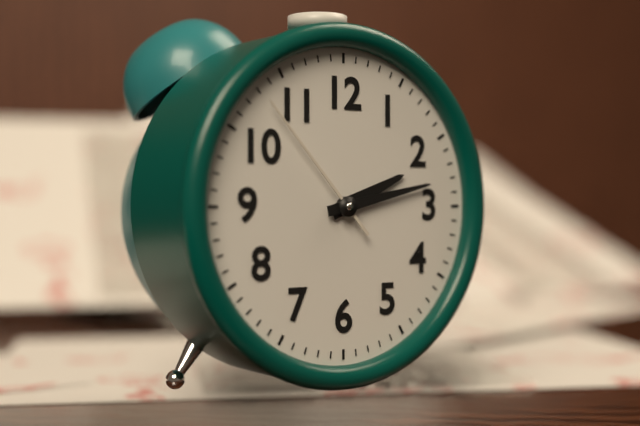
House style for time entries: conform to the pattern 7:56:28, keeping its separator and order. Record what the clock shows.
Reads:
2:13:53
